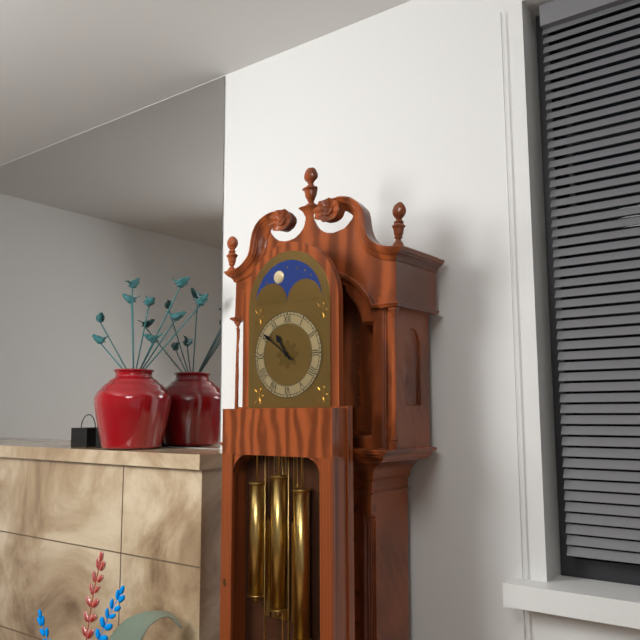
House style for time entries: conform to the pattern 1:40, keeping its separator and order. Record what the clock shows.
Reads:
10:51
